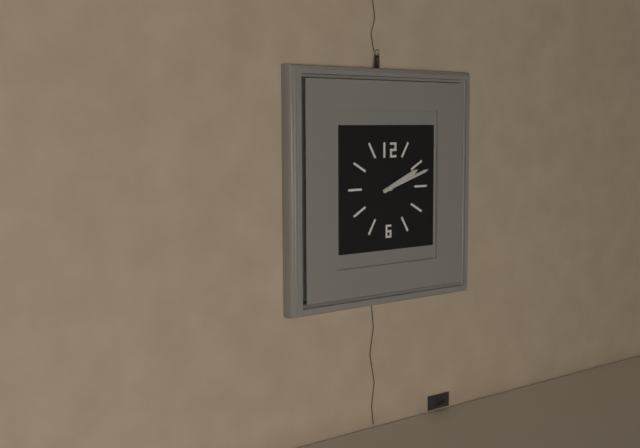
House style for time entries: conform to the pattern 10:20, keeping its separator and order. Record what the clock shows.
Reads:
2:12
